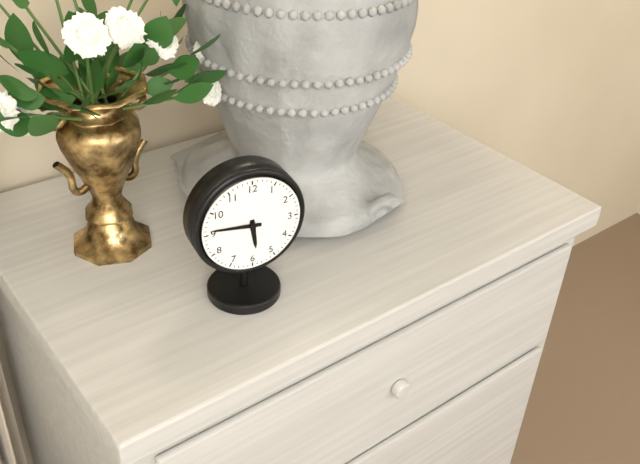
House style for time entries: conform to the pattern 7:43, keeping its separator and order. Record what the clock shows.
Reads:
5:46
